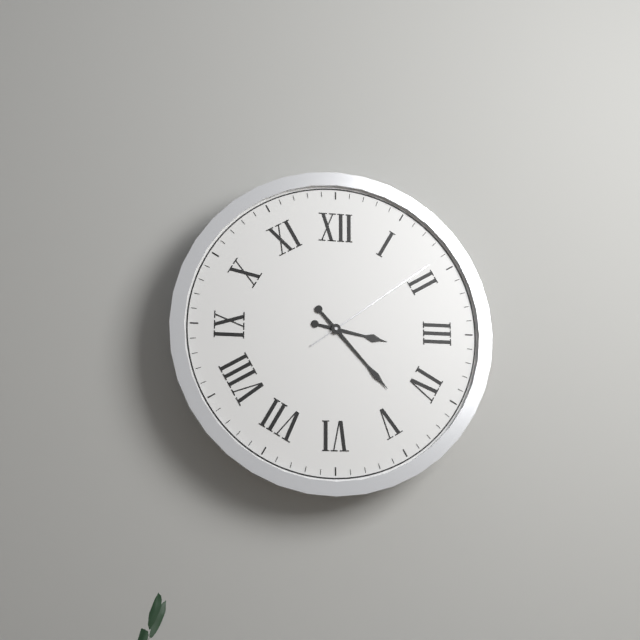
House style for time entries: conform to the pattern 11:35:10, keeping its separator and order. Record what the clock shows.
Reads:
3:23:09
